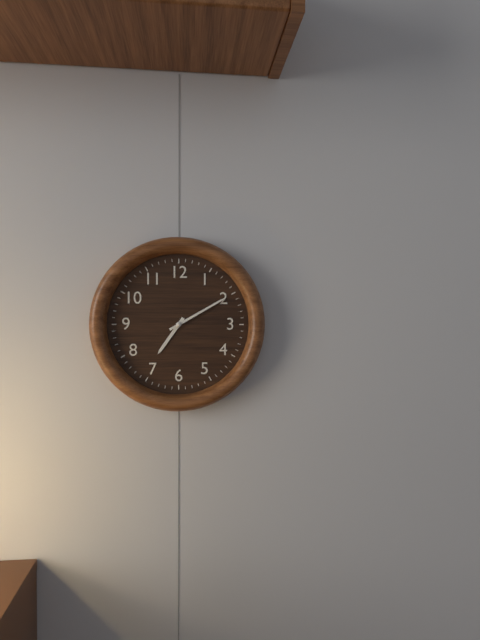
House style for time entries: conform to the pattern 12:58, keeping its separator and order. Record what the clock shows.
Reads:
7:10
